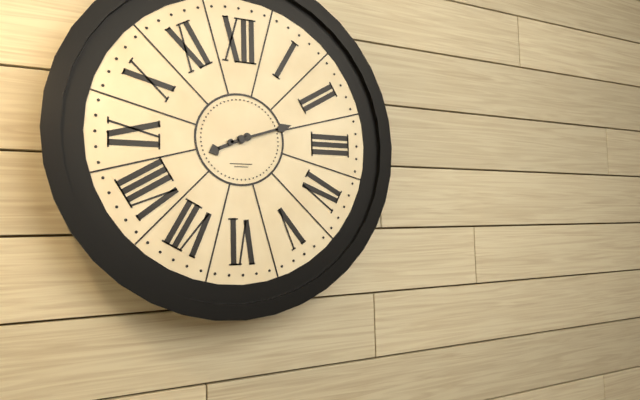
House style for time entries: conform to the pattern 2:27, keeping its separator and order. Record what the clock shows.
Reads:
8:12
